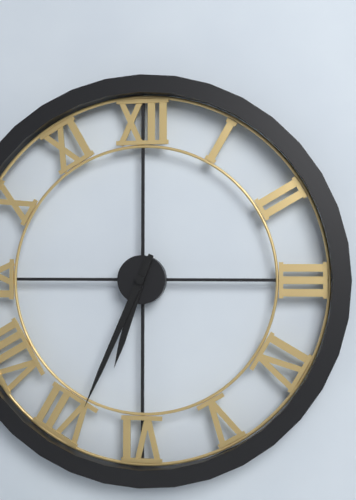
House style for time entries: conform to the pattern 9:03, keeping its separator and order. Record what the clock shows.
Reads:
6:34
